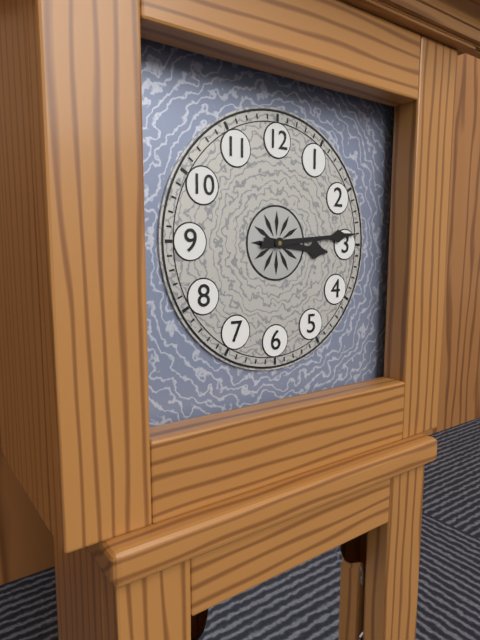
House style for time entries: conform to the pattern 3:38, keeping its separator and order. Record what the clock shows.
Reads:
3:14
